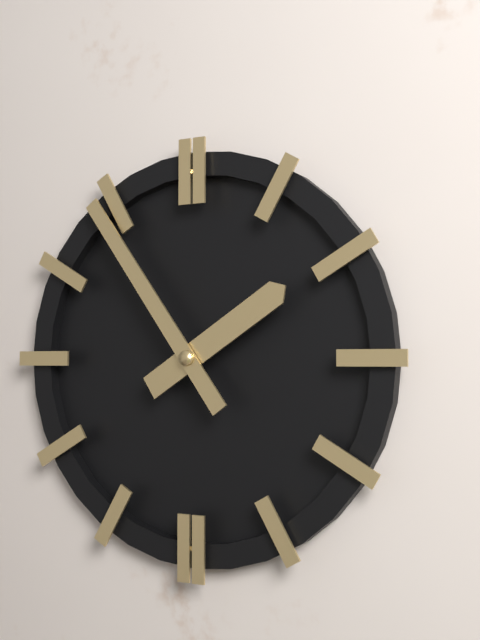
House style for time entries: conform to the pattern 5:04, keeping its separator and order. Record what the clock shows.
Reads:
1:54
